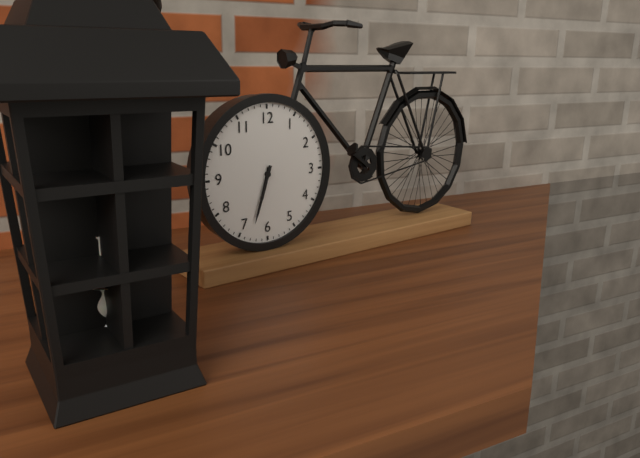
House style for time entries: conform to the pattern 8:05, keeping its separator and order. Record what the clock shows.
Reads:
6:33
